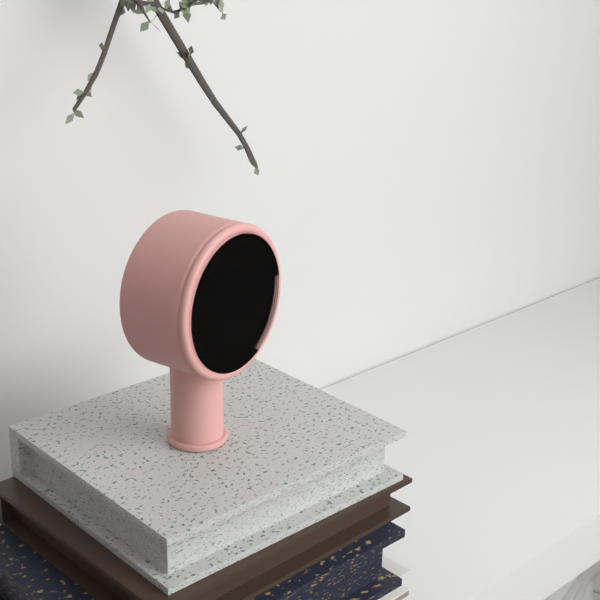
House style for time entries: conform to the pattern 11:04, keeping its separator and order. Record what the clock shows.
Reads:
12:56
